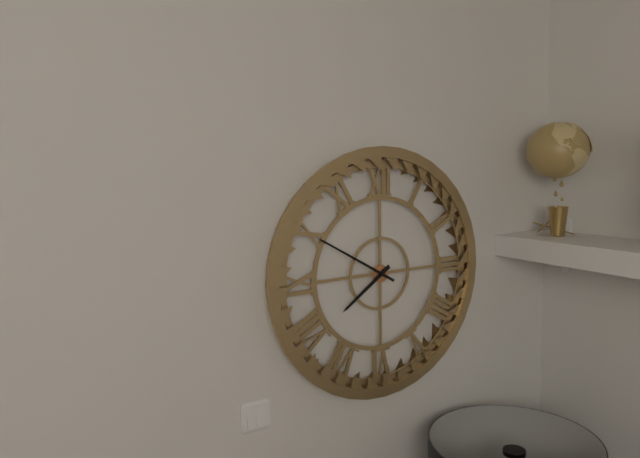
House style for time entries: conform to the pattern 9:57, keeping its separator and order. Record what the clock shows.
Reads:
7:50
